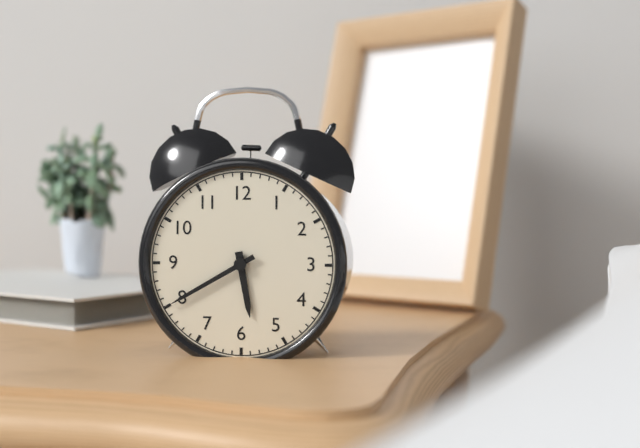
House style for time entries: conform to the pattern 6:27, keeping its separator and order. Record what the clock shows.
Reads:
5:40
